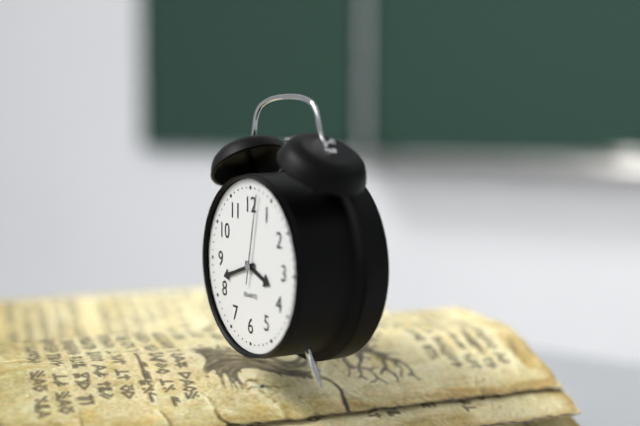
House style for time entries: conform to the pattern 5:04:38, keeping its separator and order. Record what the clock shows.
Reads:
3:42:02
